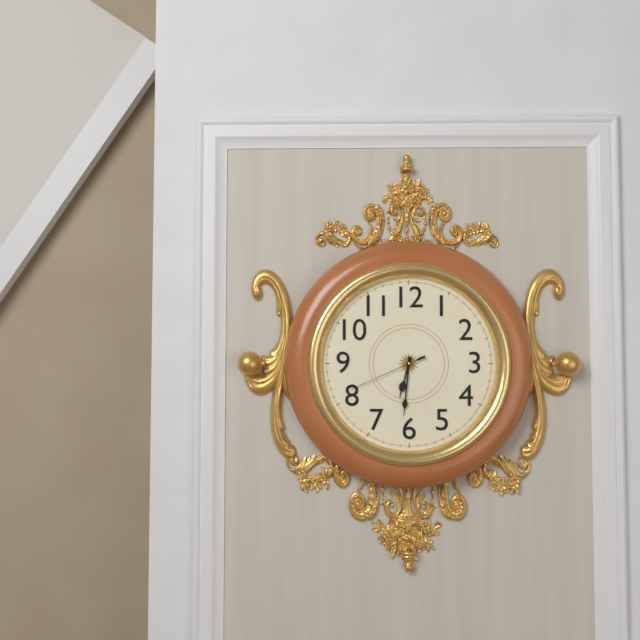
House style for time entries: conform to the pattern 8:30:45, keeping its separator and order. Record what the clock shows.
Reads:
6:31:41
